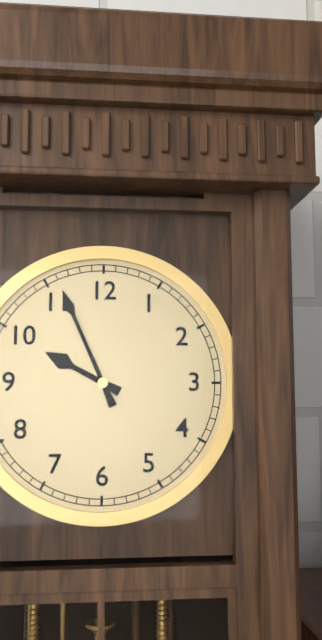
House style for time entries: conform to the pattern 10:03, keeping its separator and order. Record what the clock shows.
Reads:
9:56
